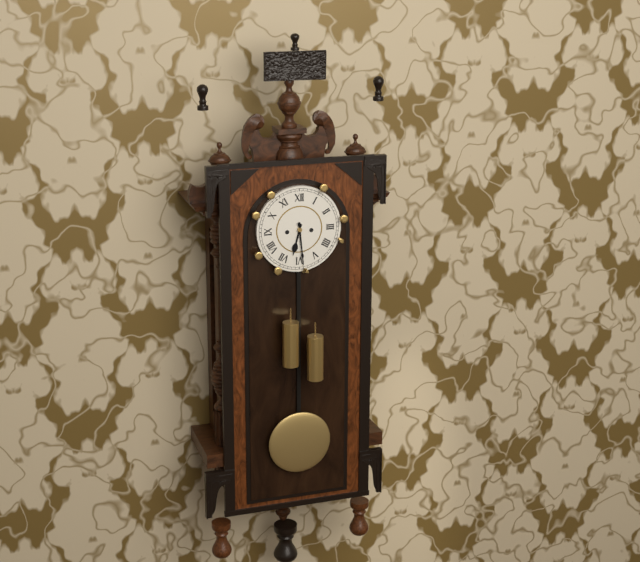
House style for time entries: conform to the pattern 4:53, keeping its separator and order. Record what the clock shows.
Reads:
6:29
